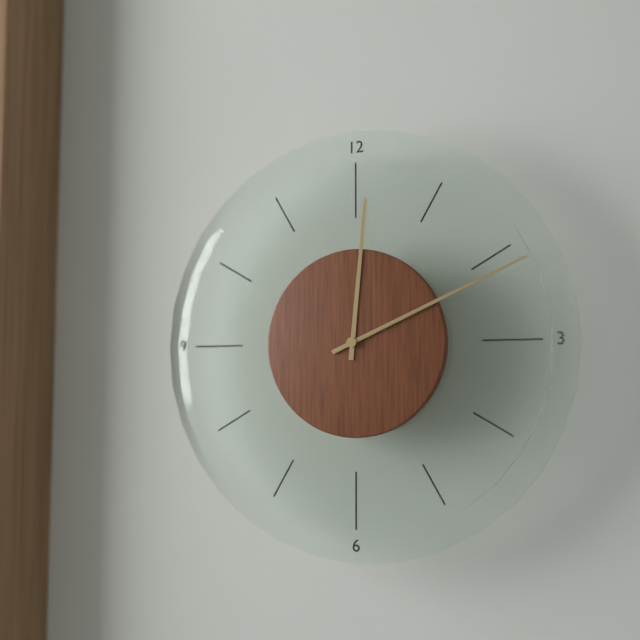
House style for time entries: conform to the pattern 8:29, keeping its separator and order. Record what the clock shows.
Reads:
12:11
